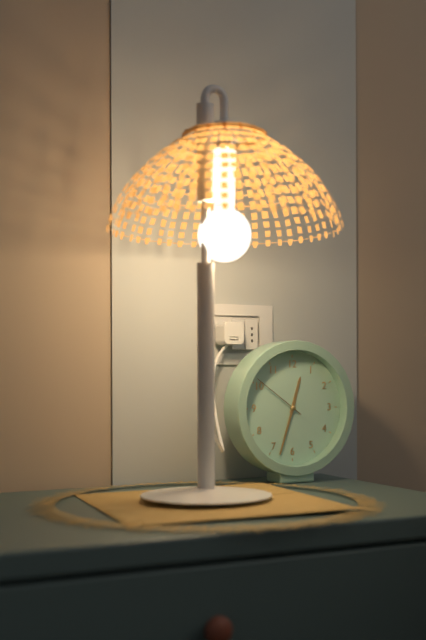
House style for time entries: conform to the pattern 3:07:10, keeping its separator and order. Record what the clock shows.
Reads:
12:33:51
